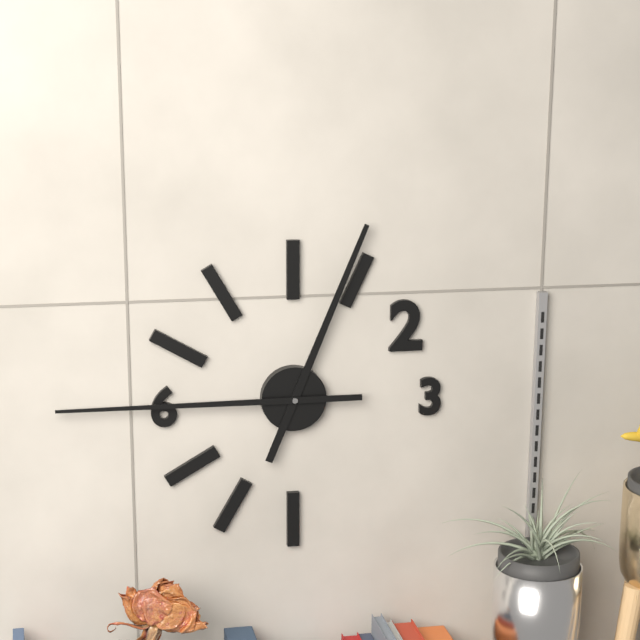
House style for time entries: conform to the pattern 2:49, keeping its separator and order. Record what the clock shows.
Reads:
12:45
